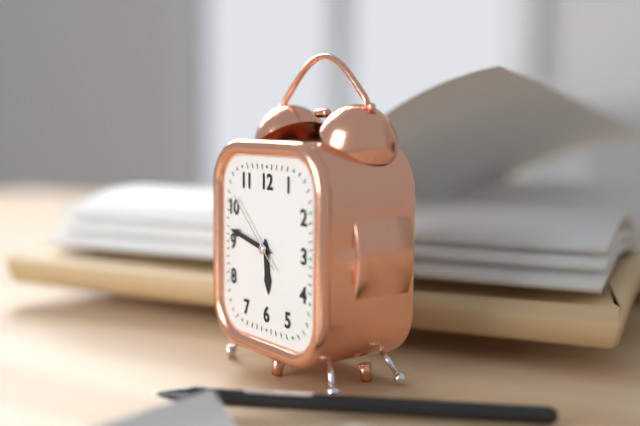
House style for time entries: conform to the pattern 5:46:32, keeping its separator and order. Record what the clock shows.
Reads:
5:47:52
